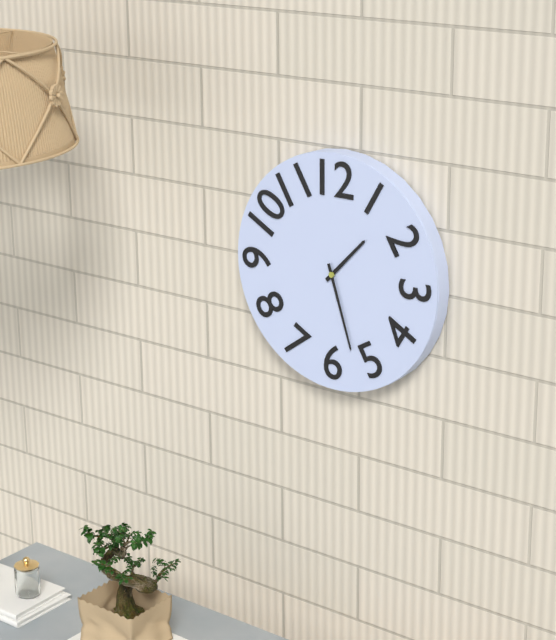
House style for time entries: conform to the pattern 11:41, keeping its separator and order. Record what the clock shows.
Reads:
1:27
